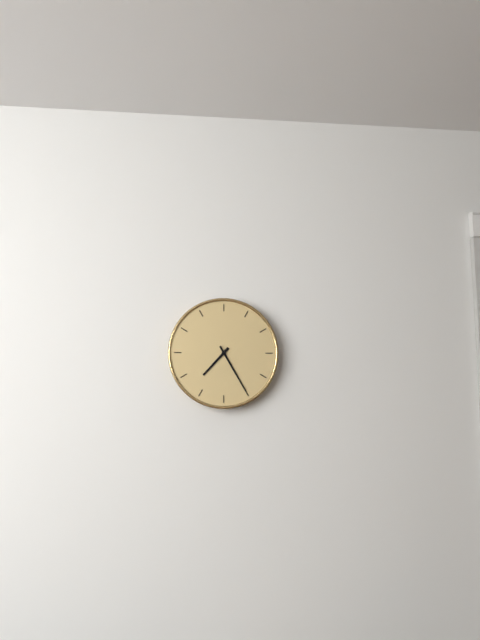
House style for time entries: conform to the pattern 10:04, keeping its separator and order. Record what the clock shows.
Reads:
7:25
